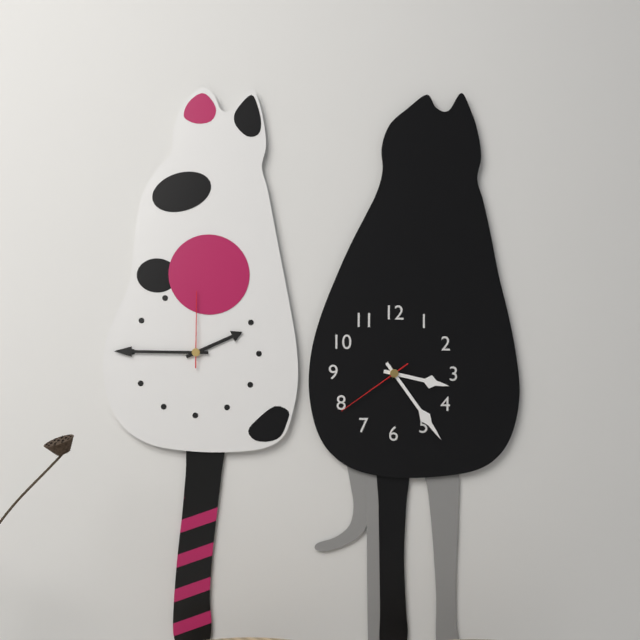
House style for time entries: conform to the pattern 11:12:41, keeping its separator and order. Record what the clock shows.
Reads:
3:24:39
